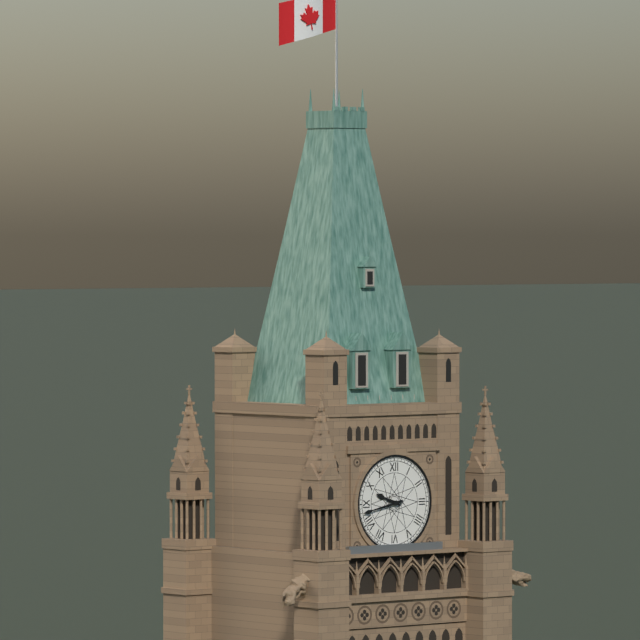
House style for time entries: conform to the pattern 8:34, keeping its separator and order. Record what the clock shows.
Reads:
9:43
